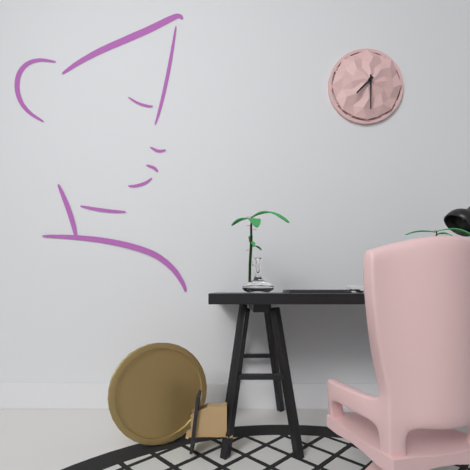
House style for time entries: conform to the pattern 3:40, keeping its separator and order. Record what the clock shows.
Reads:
7:30
